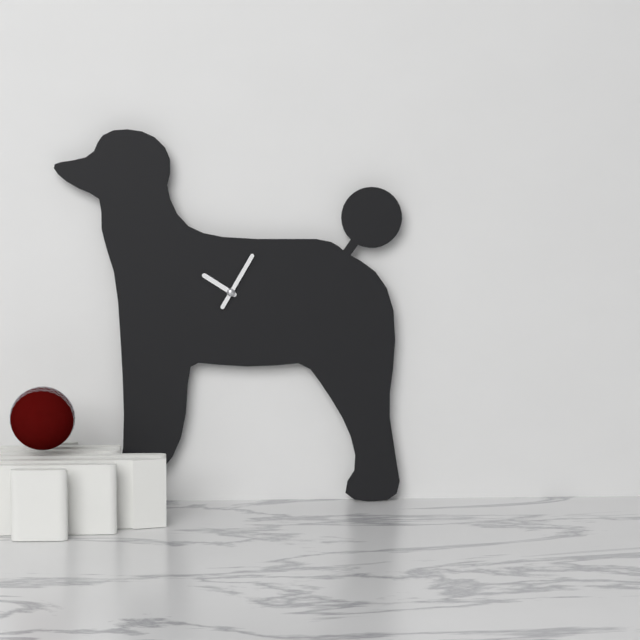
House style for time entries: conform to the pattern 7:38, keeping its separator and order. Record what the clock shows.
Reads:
10:05
